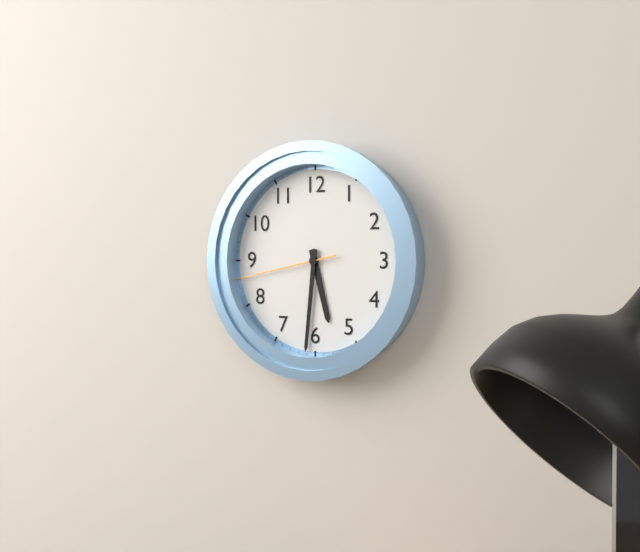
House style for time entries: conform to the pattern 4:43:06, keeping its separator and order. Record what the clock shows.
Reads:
5:31:43
